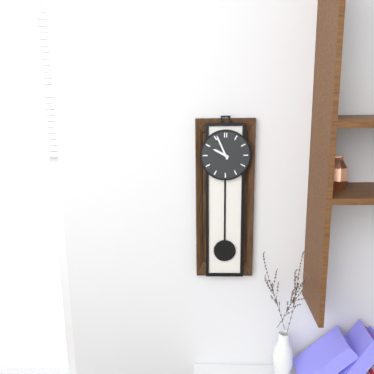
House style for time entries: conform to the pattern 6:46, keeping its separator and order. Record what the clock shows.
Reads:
9:56
